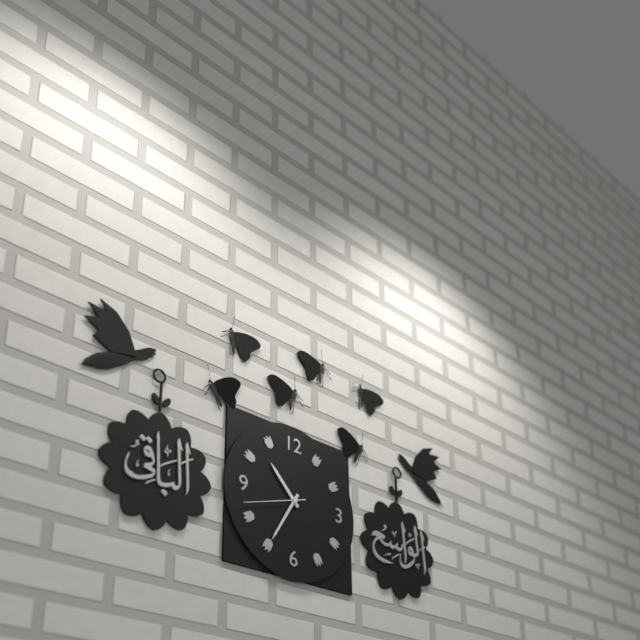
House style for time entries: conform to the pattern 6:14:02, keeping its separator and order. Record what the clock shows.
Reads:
10:35:42
